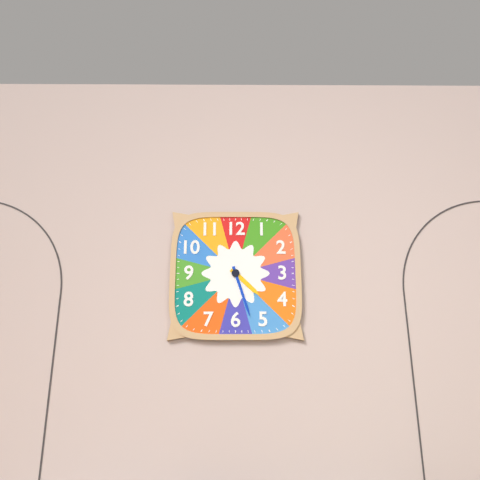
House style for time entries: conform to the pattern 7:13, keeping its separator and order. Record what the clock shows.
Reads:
4:27
